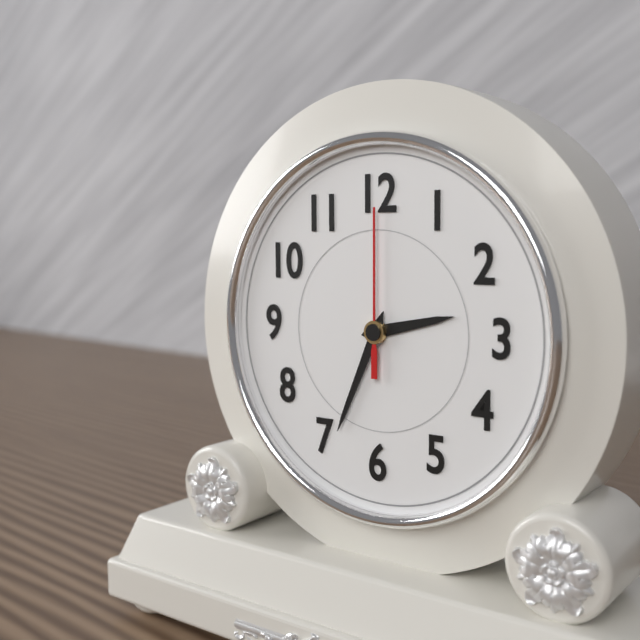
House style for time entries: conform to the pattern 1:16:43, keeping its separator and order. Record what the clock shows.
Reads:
2:34:00
